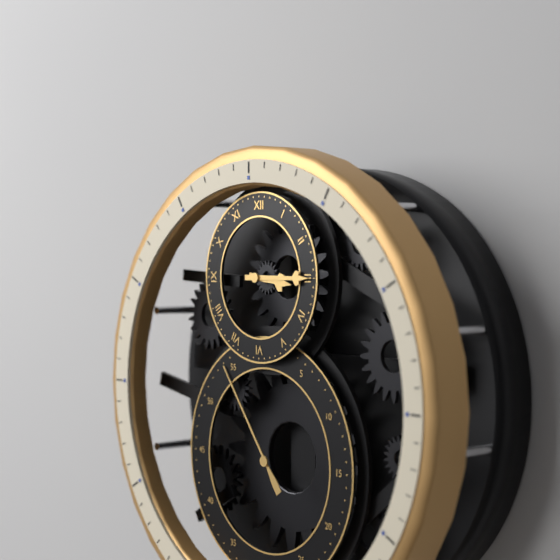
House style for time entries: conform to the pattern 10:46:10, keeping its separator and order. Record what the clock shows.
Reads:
3:15:54
